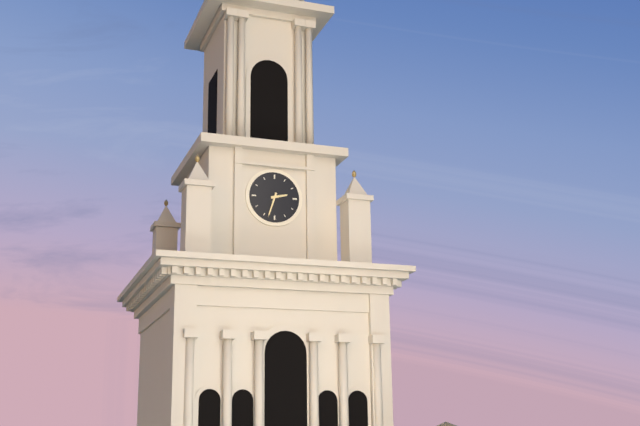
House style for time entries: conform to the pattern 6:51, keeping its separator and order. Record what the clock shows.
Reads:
2:33
